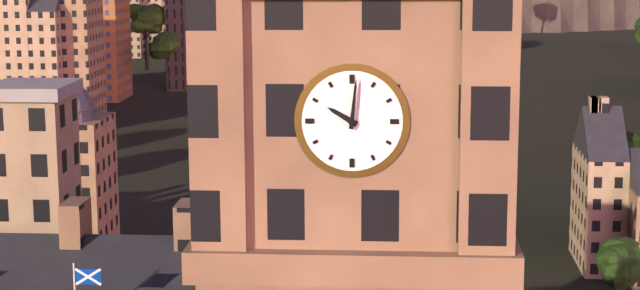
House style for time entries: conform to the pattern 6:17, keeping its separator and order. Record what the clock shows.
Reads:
10:01
